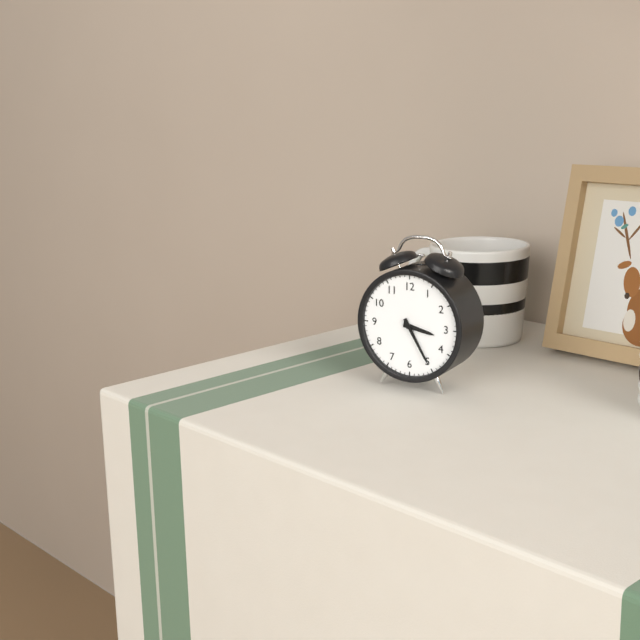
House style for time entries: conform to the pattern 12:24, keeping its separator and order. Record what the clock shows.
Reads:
3:25
